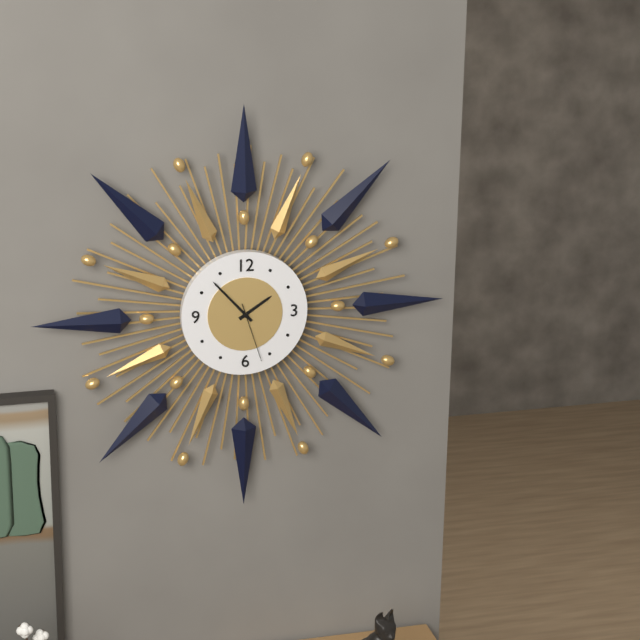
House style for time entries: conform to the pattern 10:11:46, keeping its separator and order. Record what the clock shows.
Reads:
1:53:27
